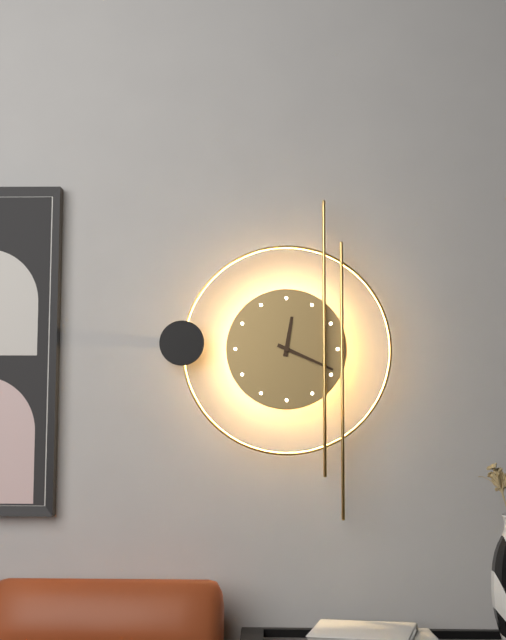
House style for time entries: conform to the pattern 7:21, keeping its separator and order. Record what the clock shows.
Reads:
12:19
